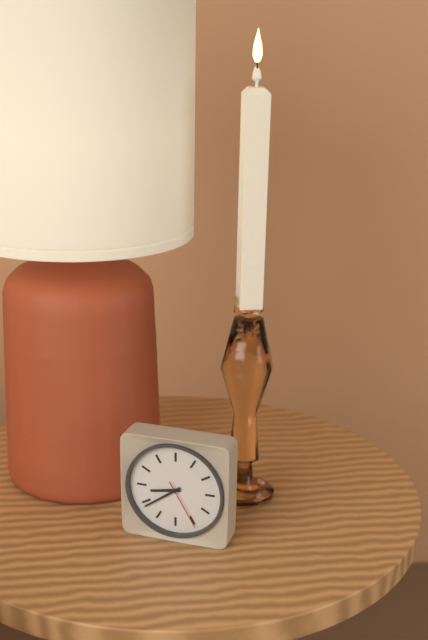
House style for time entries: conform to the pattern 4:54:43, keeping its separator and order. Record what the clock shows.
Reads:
8:39:25
